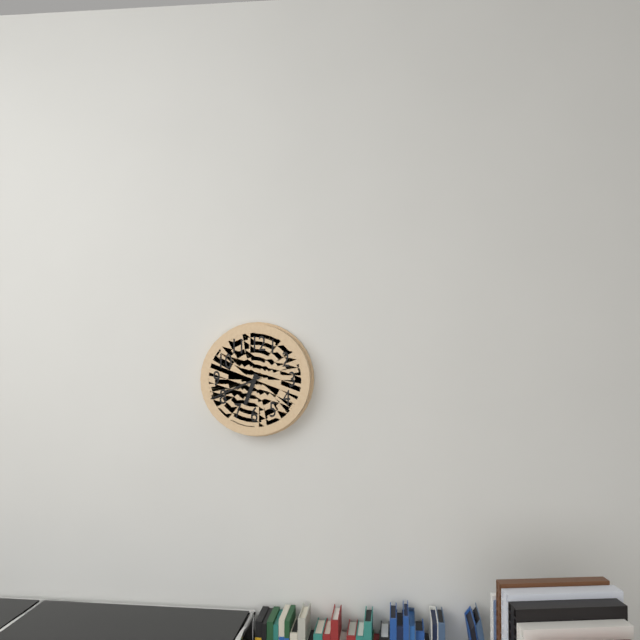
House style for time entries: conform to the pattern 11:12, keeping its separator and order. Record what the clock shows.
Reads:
6:41
